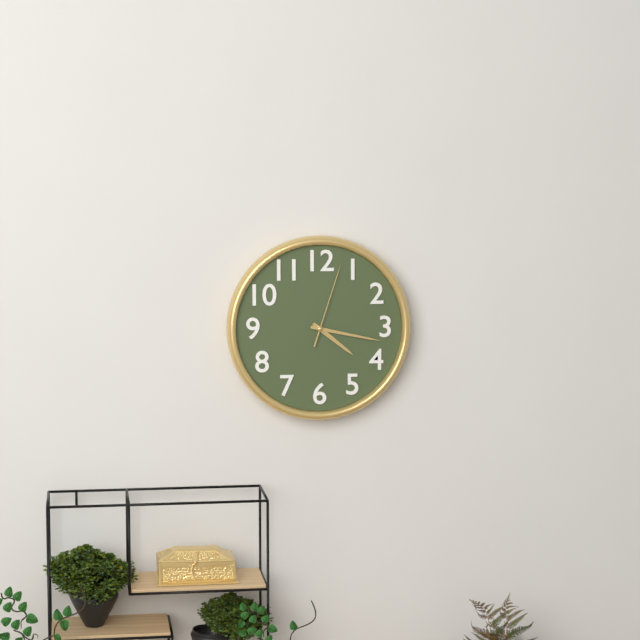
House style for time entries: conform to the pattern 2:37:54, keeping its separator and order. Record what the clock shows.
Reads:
4:17:03
